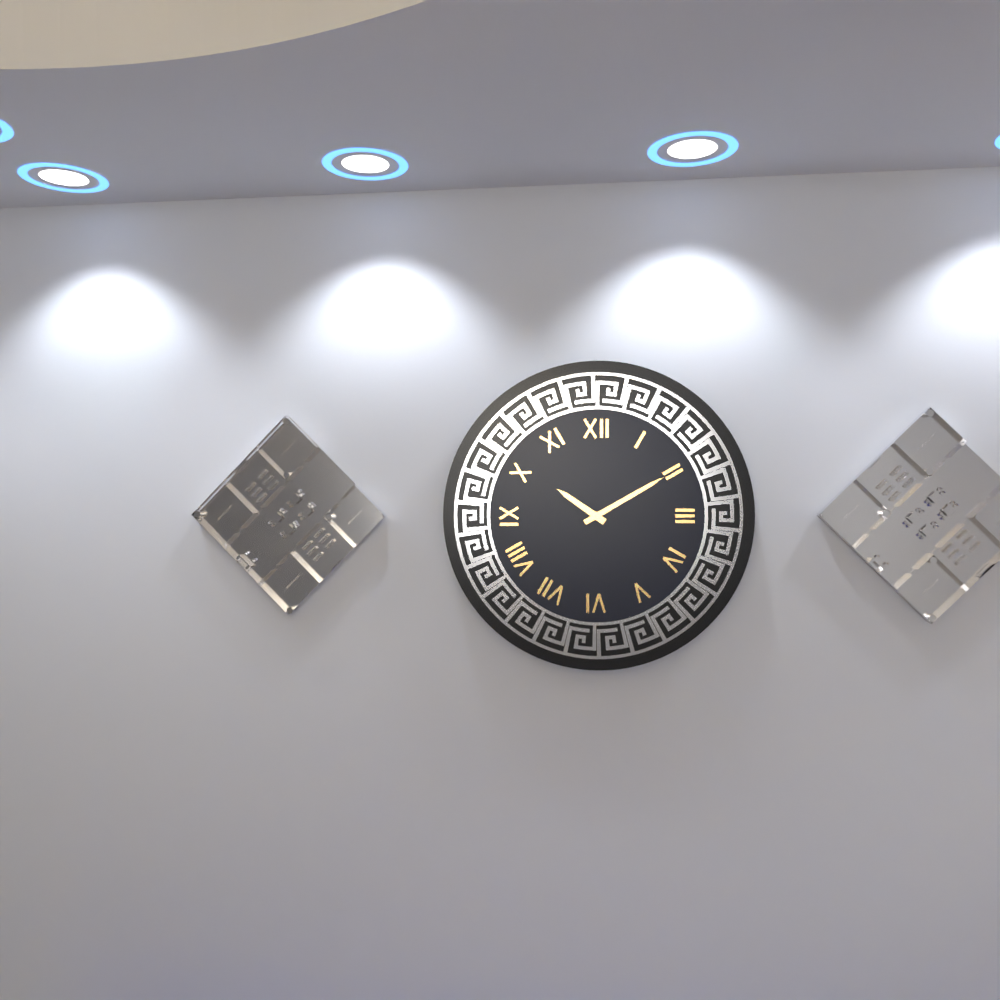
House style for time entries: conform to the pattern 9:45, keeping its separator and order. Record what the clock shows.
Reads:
10:10
